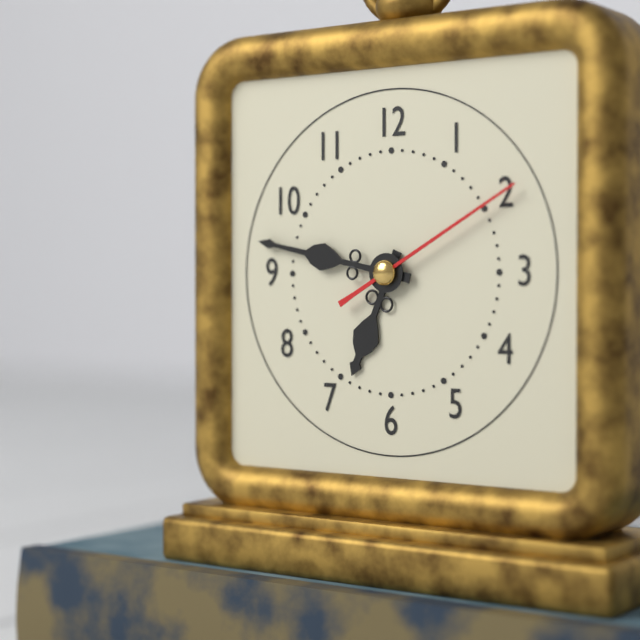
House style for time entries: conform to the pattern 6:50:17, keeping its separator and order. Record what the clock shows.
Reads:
6:47:10
